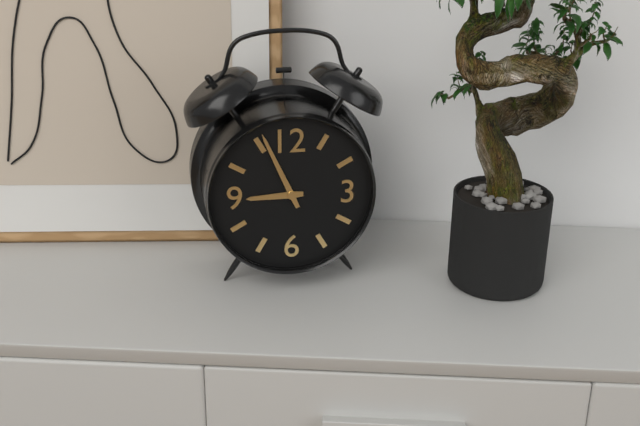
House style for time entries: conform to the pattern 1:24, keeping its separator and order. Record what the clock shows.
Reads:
8:56
